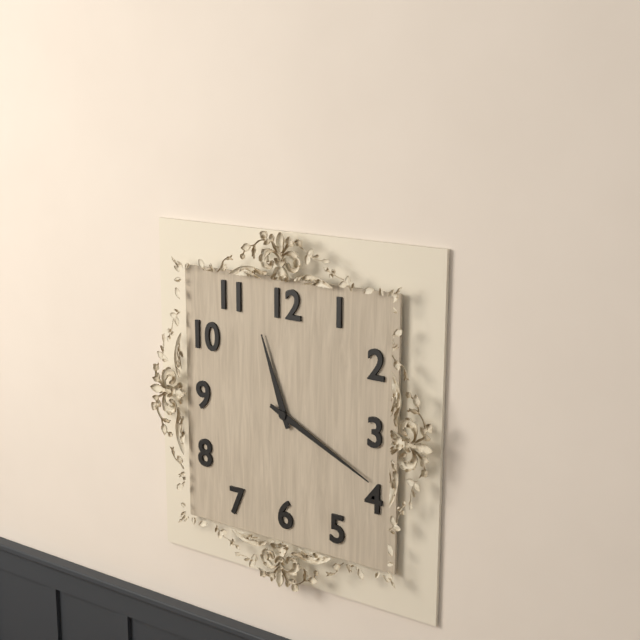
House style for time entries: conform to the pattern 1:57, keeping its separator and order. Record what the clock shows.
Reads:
11:19
